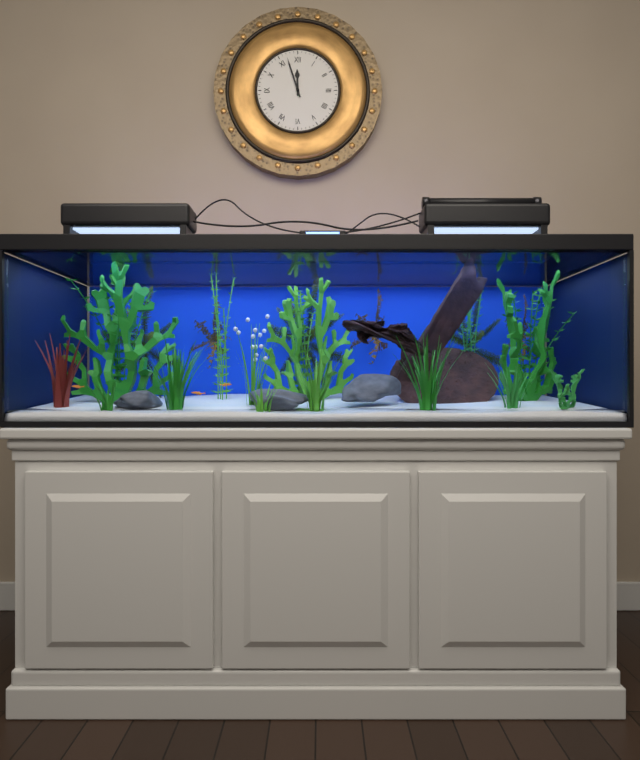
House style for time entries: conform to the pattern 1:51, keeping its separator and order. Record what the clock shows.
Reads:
11:57
